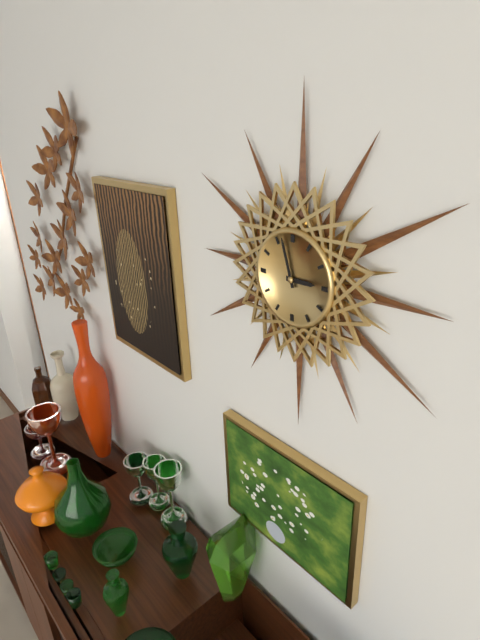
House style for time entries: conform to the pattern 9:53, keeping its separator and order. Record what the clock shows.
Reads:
2:57
